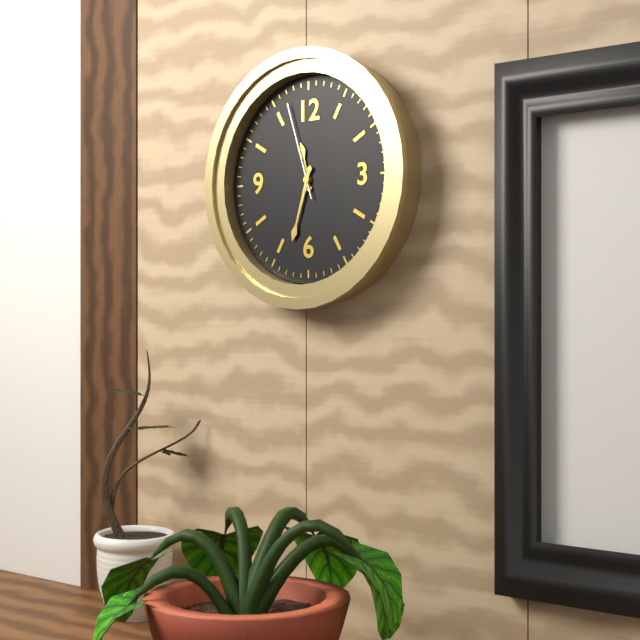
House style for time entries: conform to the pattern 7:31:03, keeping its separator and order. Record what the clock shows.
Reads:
11:33:57
